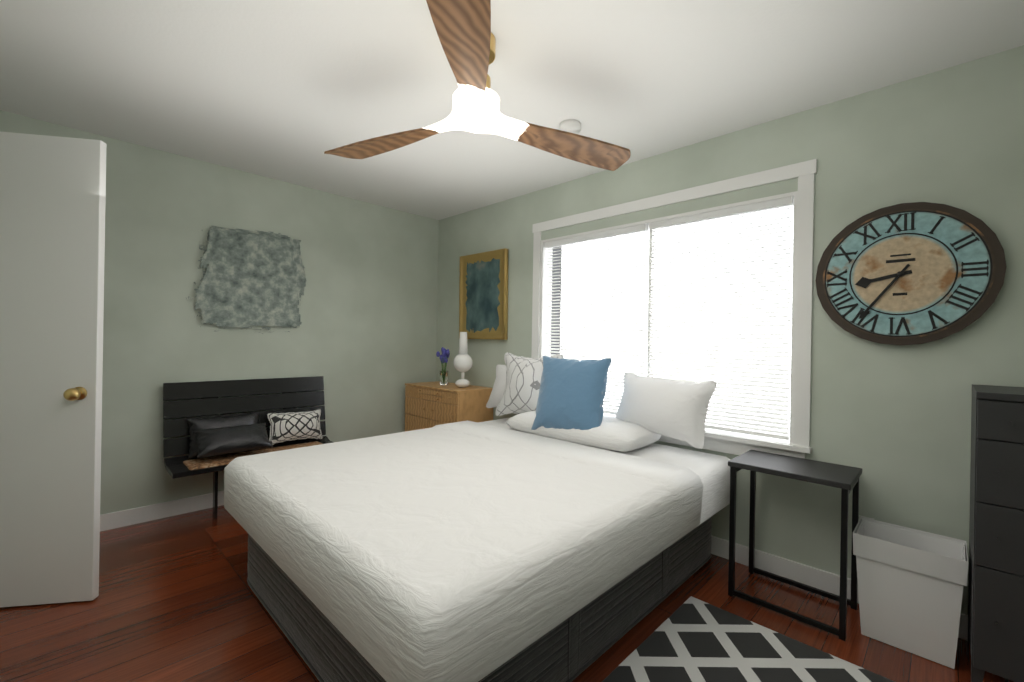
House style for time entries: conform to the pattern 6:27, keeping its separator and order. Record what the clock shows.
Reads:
8:36
